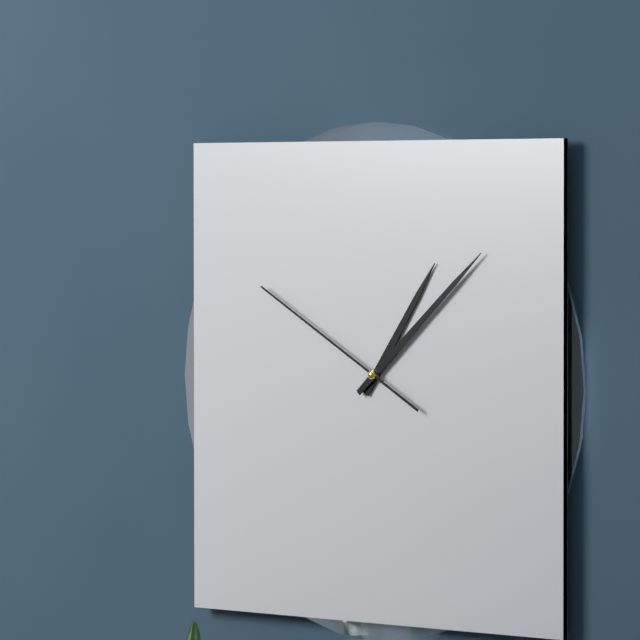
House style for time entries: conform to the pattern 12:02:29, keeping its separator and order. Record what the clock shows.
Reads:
1:08:50
